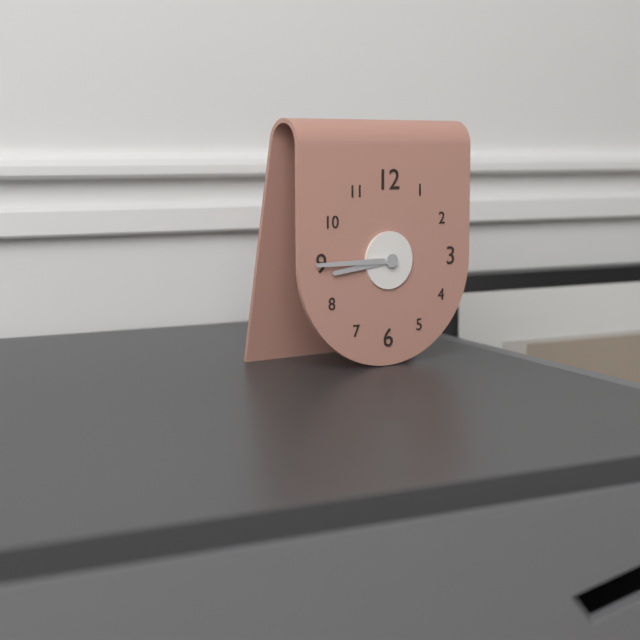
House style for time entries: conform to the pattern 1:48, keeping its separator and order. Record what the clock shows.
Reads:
8:45
